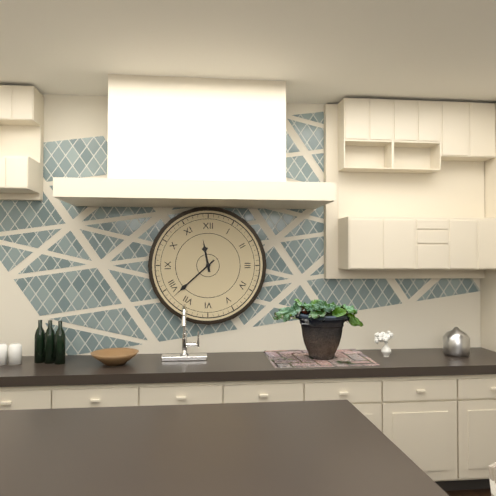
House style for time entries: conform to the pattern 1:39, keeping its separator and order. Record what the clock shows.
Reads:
11:38
